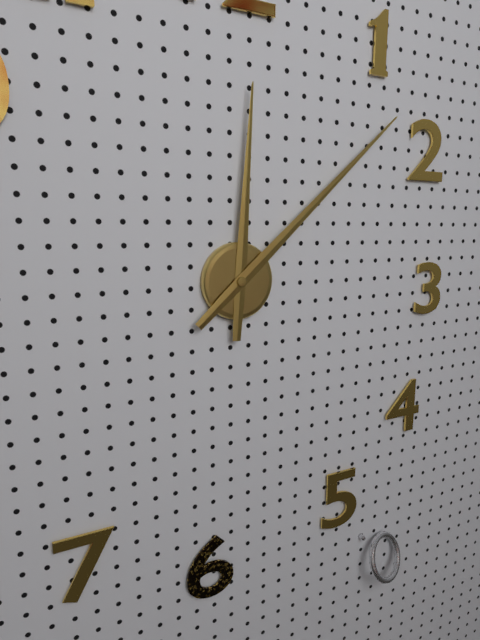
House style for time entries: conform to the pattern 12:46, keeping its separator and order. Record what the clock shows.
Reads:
12:08
